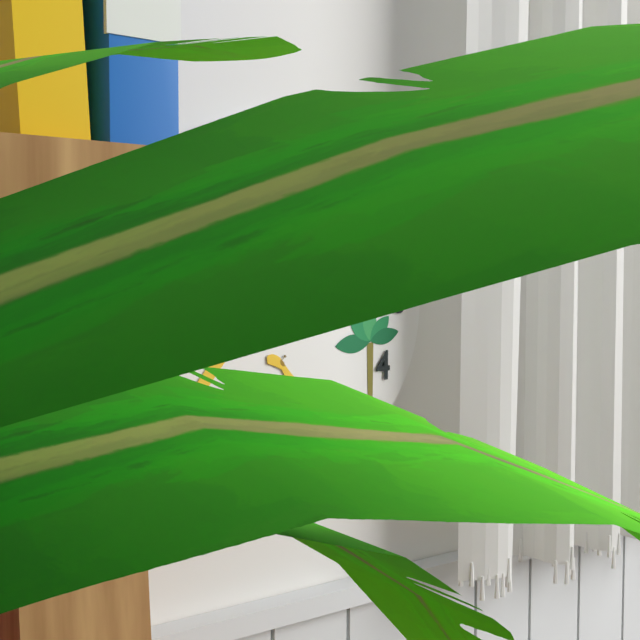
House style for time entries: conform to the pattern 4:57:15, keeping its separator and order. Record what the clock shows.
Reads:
9:01:49
